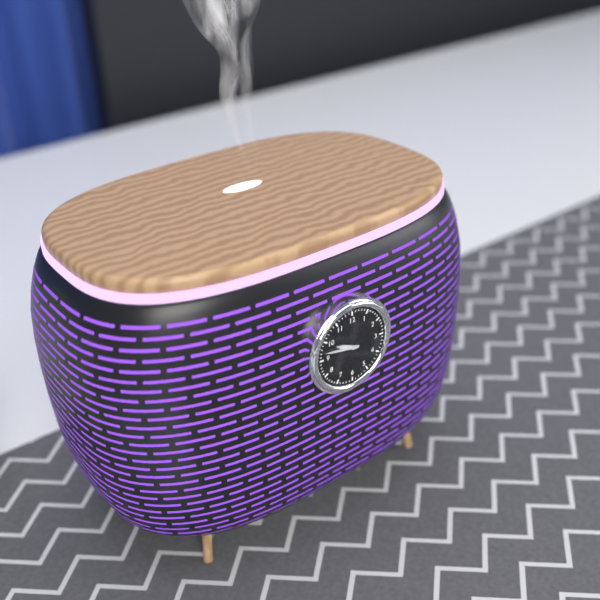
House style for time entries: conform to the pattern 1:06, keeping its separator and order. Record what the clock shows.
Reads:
9:47
